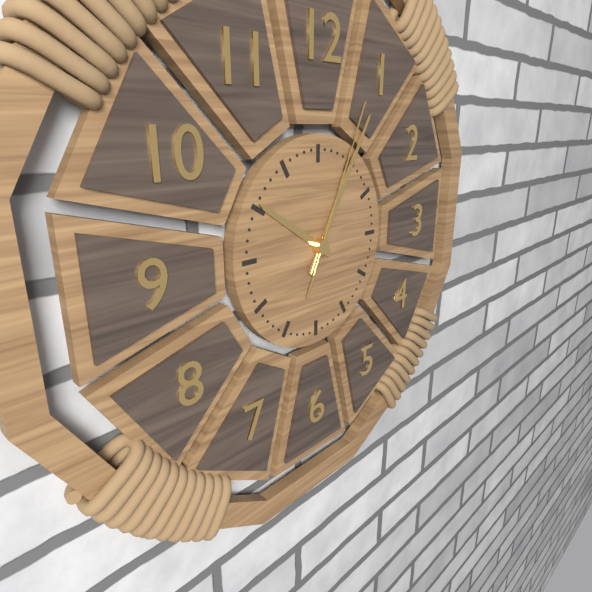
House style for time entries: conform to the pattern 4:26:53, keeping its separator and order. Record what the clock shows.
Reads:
10:05:04
